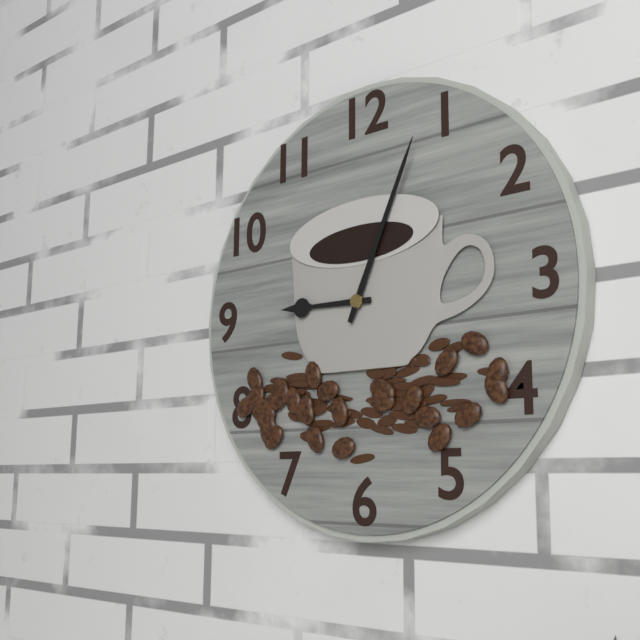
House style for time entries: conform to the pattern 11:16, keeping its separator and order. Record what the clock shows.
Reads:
9:04
